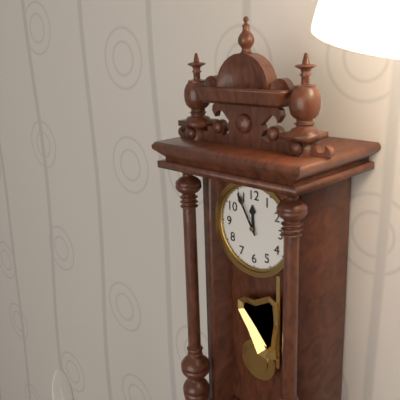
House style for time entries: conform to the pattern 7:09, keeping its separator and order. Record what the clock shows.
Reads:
11:55
